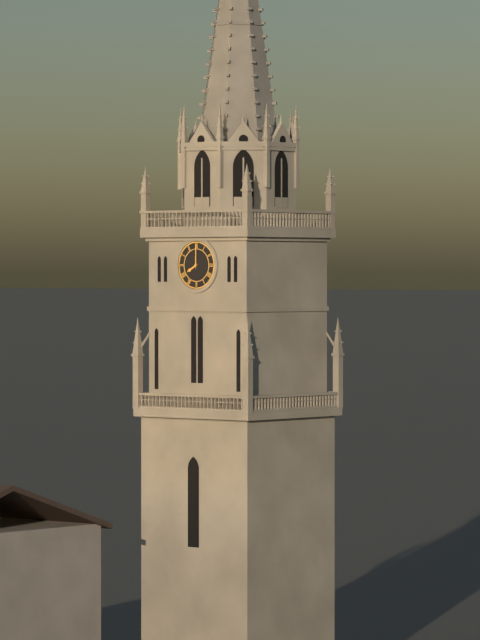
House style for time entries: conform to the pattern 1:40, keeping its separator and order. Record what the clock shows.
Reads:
8:00
